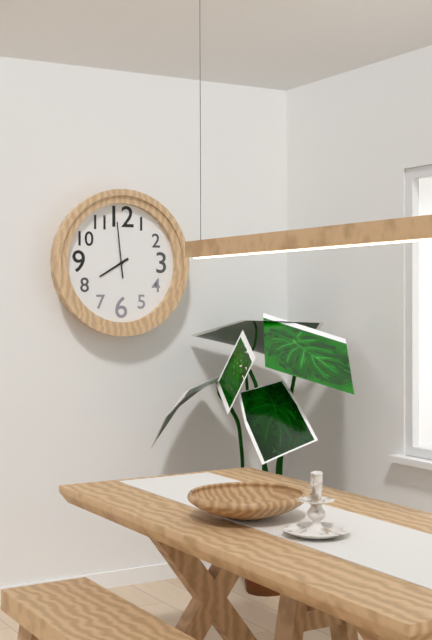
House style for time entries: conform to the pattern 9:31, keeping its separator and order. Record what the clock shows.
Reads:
7:59
